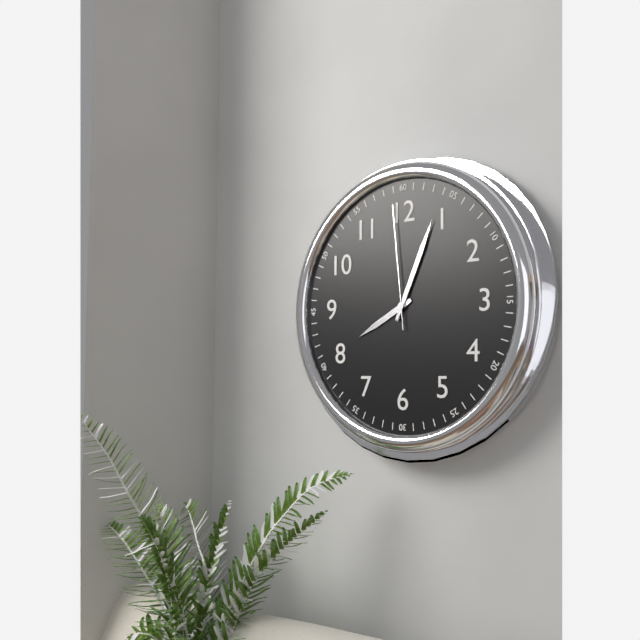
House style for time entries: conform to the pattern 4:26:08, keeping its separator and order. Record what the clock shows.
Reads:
8:04:59
